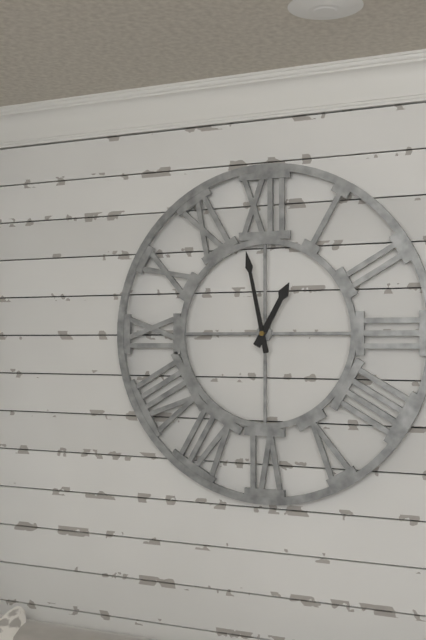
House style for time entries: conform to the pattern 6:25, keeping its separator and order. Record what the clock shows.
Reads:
12:58
